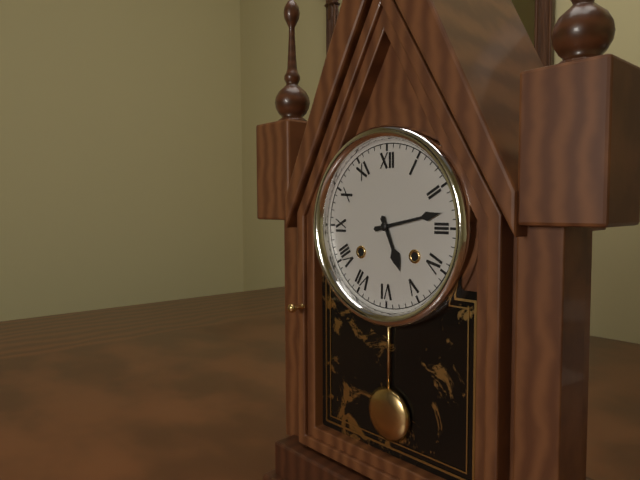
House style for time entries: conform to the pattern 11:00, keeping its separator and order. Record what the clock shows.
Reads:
5:13
